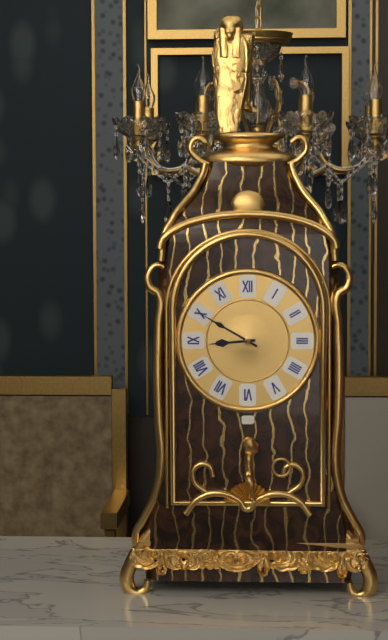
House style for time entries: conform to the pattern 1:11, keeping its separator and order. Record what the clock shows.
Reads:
8:50
